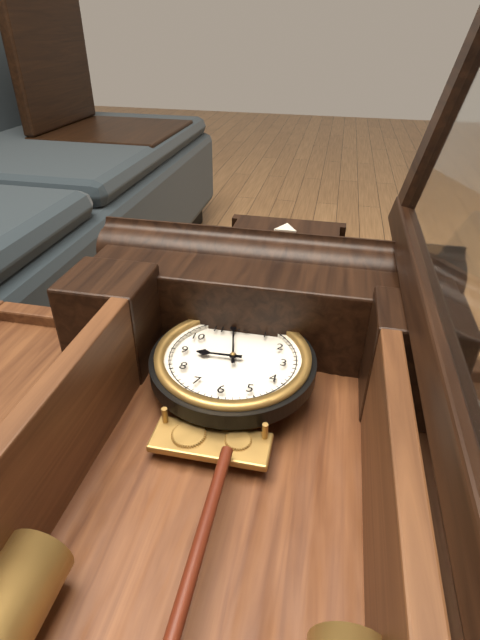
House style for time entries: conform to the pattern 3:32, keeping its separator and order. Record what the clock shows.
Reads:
8:58
